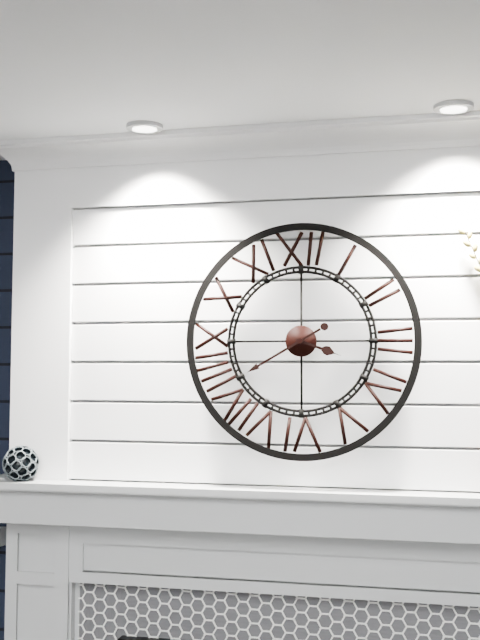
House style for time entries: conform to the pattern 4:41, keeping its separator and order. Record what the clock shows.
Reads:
3:40
